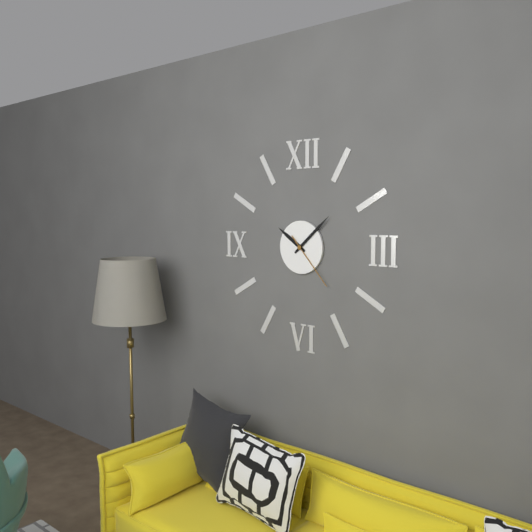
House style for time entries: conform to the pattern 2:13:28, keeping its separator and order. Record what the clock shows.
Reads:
10:08:23
